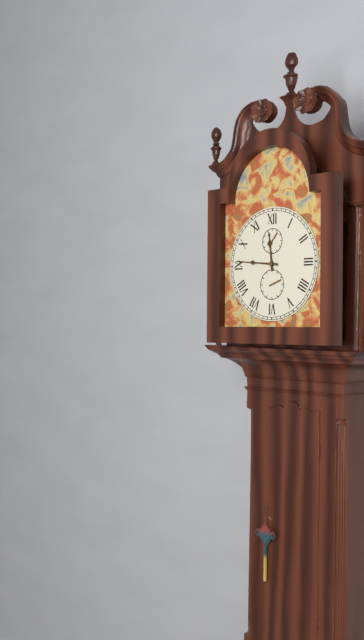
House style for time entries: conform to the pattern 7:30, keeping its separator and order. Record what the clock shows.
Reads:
11:46
